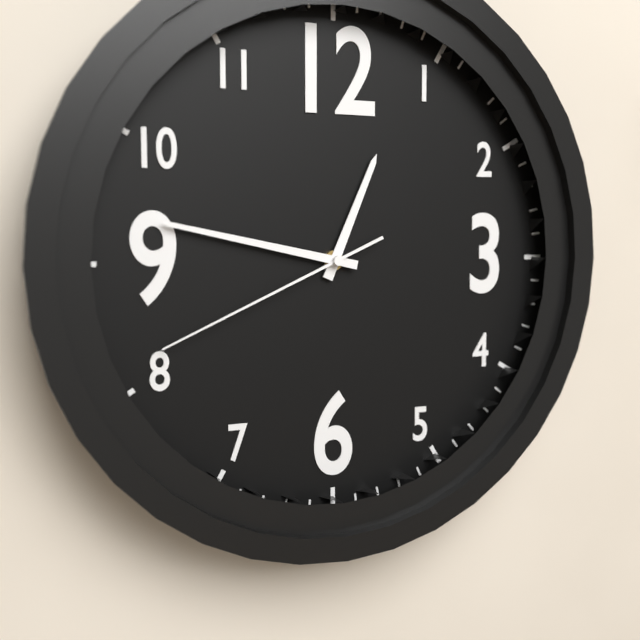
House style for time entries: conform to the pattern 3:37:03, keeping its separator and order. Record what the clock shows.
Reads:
12:47:41
